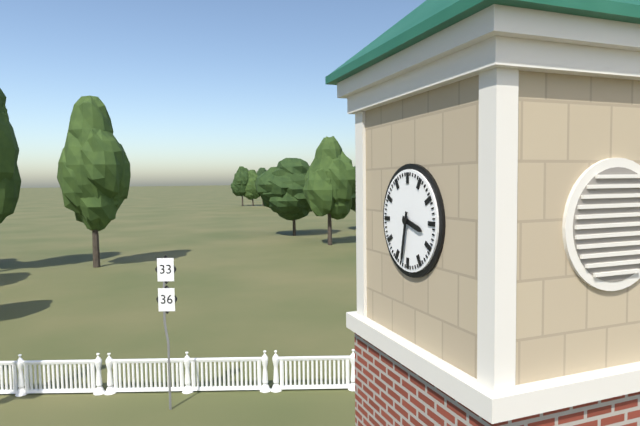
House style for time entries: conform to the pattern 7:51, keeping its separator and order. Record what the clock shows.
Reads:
3:32
